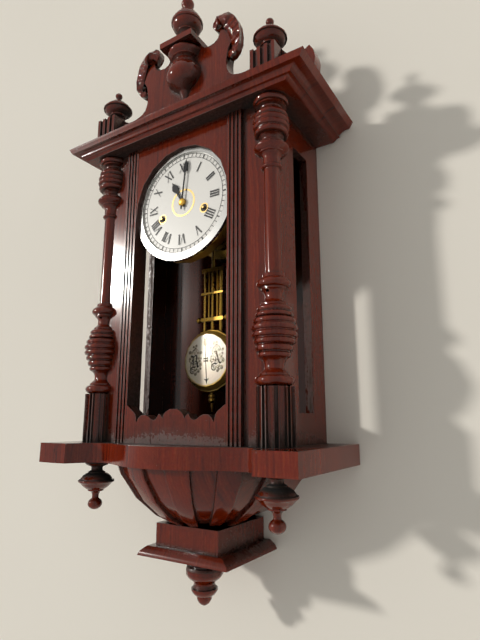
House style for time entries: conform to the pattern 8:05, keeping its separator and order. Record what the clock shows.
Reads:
11:01
